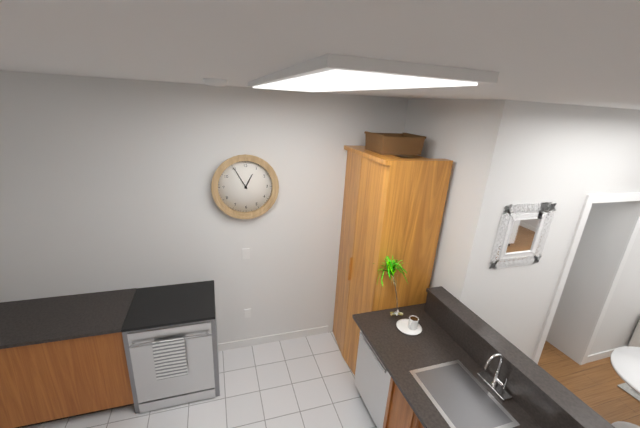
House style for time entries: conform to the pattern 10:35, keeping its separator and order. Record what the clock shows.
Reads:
12:55
